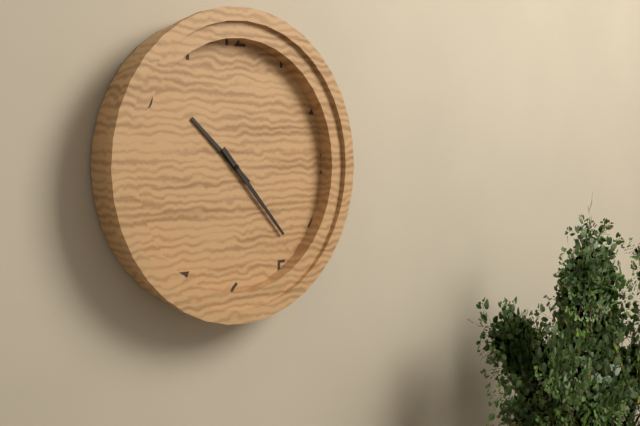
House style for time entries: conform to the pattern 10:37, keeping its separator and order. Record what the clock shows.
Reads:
10:23
